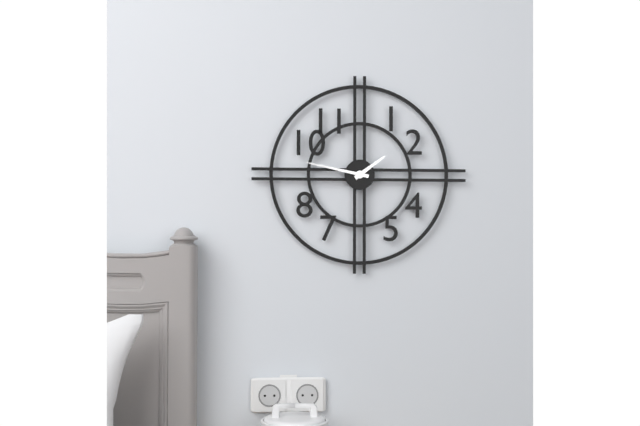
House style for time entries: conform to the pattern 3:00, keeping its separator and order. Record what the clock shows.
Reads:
1:47
